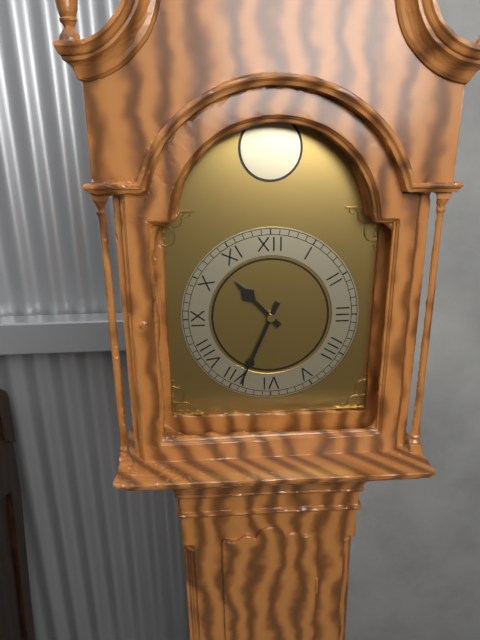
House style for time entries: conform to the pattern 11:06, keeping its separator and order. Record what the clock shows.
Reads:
10:34
